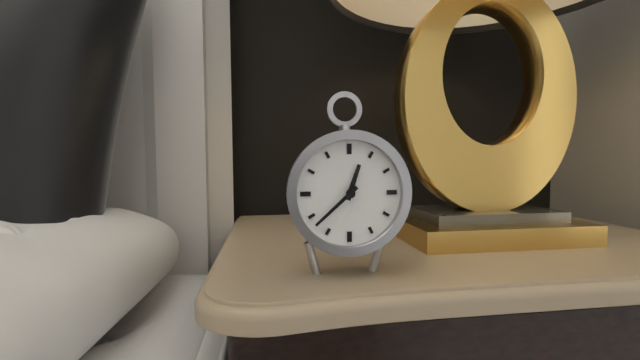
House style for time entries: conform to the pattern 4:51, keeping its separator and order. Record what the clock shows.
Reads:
12:38
